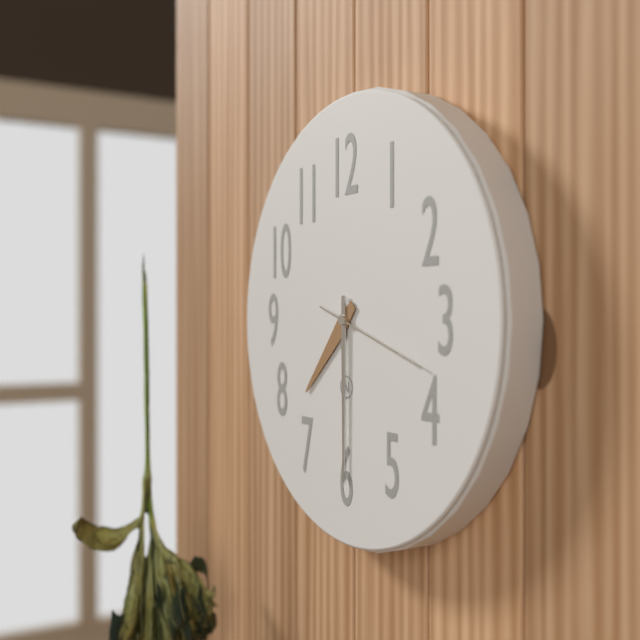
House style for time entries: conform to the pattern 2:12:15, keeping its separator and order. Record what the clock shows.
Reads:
7:30:18
